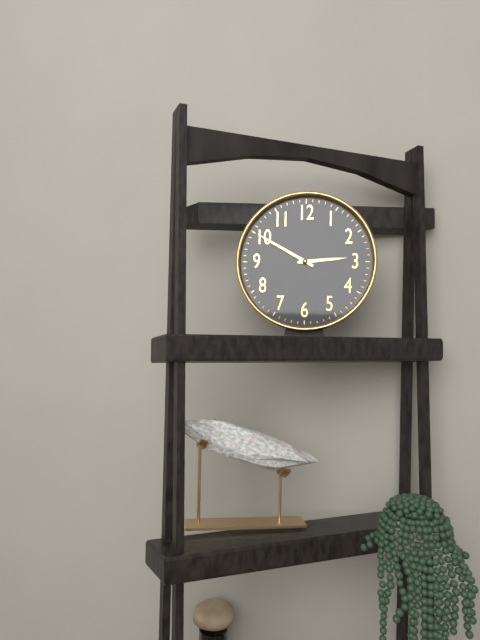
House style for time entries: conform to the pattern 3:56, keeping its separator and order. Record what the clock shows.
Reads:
2:50
